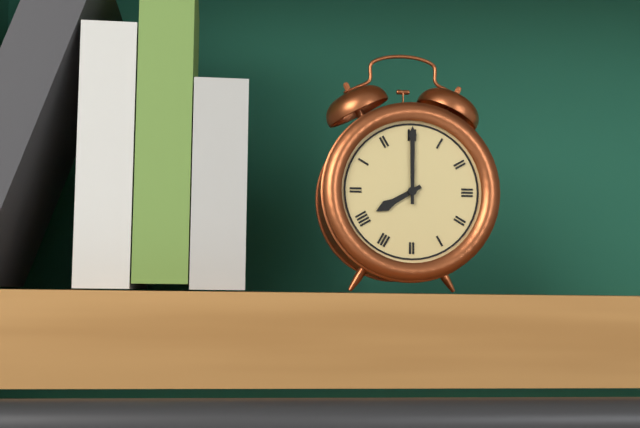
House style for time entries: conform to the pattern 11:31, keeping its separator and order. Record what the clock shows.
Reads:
8:00
